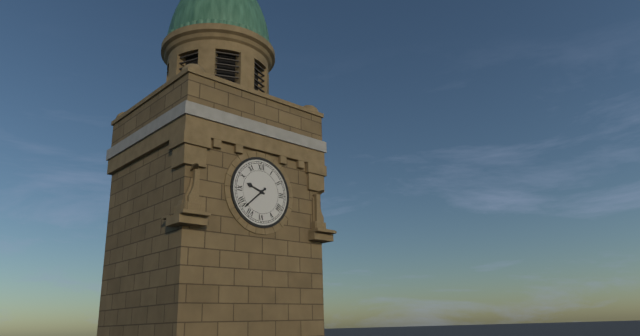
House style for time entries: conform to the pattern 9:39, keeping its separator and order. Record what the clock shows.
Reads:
9:38
